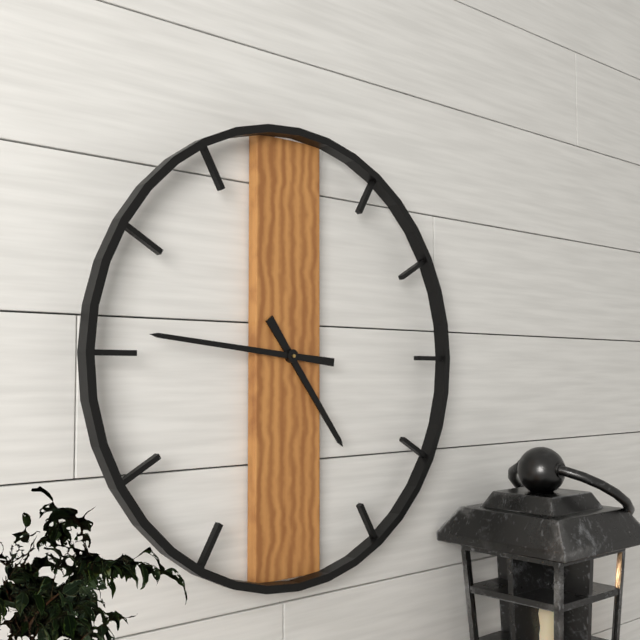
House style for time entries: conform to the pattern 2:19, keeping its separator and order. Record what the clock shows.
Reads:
4:46
